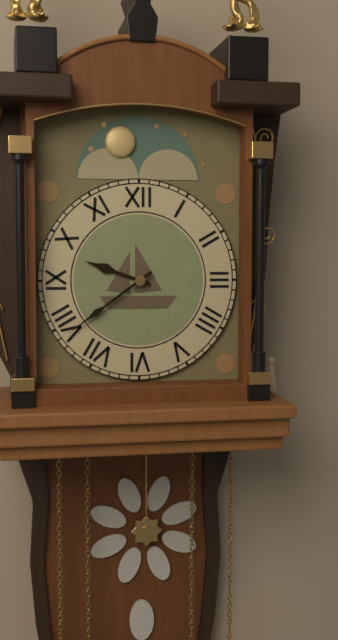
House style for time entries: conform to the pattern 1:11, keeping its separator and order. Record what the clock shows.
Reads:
9:39
